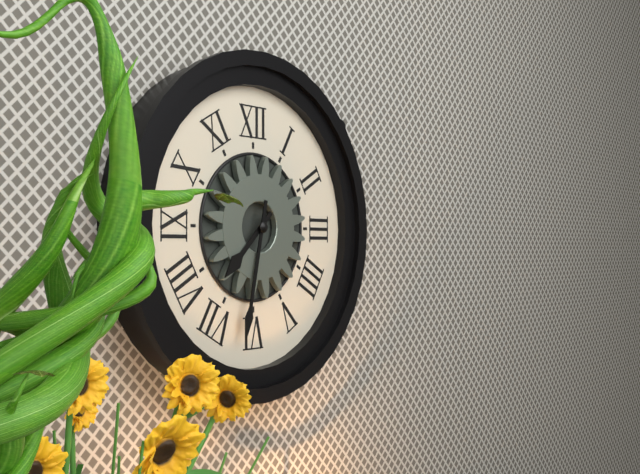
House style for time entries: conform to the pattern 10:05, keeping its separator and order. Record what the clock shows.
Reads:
7:32
